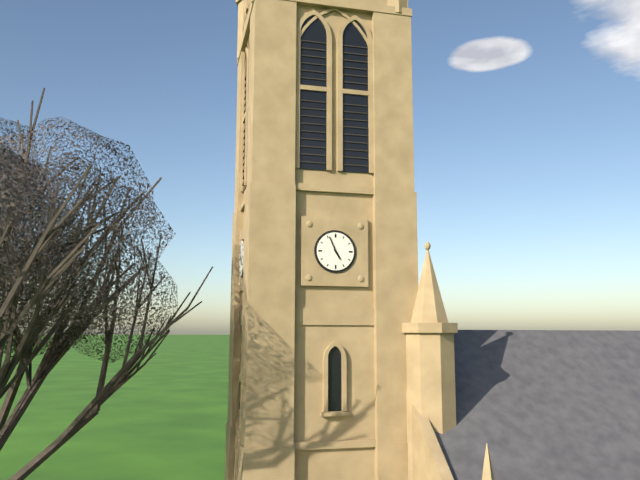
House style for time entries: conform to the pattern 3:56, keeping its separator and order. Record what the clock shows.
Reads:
4:56
